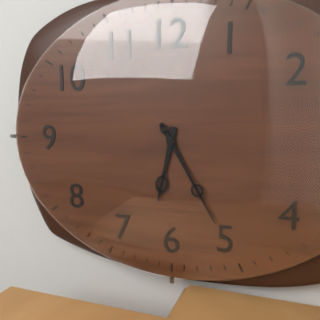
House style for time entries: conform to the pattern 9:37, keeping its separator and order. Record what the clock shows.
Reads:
6:25
